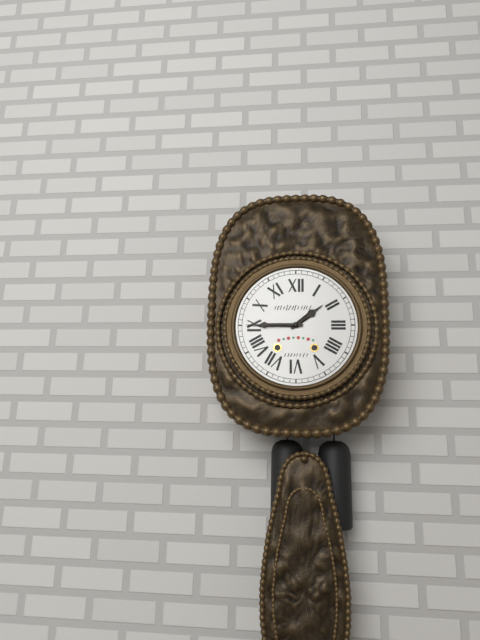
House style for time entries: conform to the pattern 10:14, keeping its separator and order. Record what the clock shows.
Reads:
1:45
